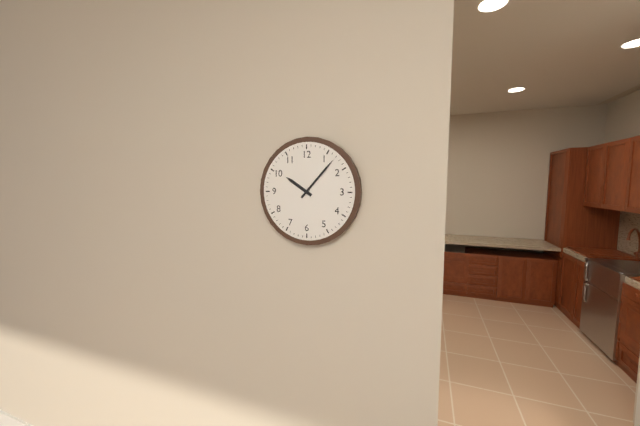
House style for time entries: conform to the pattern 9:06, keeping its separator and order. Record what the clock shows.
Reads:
10:07
